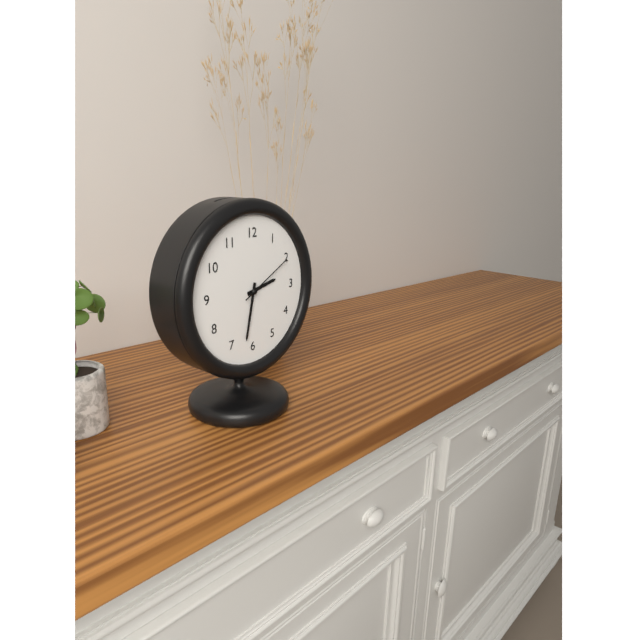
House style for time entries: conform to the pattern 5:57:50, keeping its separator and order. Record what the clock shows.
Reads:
2:32:10
